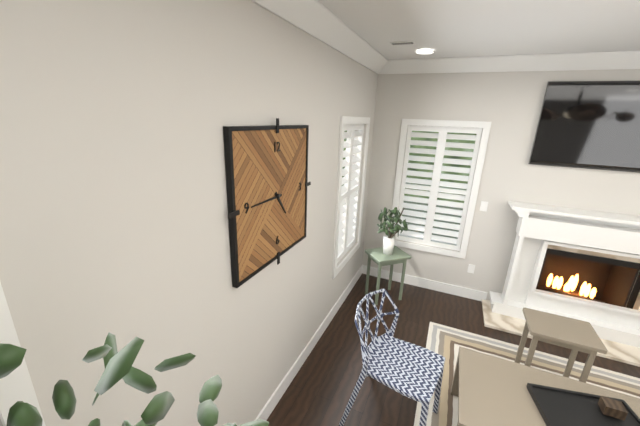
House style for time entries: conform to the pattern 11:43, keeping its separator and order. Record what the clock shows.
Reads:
4:45
